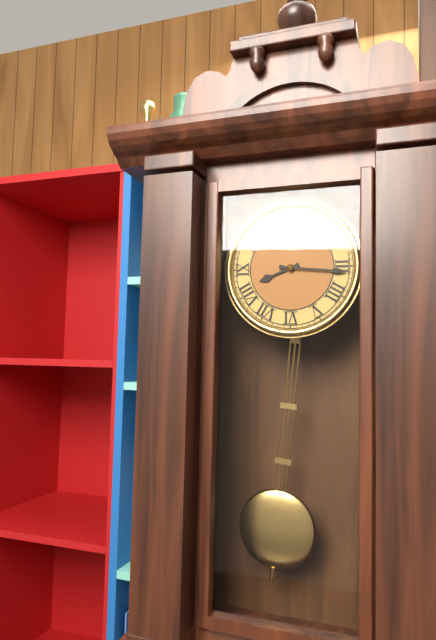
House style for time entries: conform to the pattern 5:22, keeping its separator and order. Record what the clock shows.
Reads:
8:16
